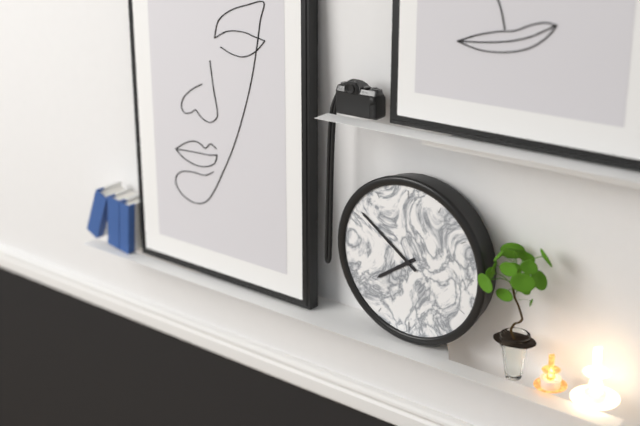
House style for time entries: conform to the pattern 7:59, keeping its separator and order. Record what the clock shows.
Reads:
7:51
